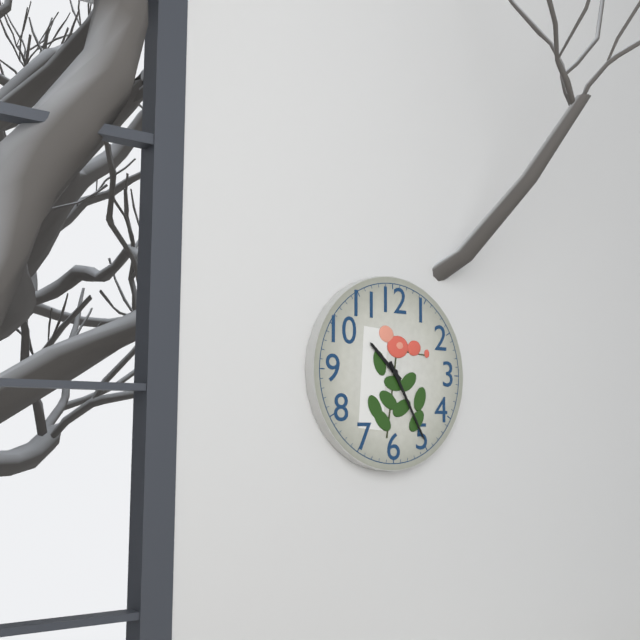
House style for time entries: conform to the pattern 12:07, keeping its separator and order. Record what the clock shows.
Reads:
10:25
